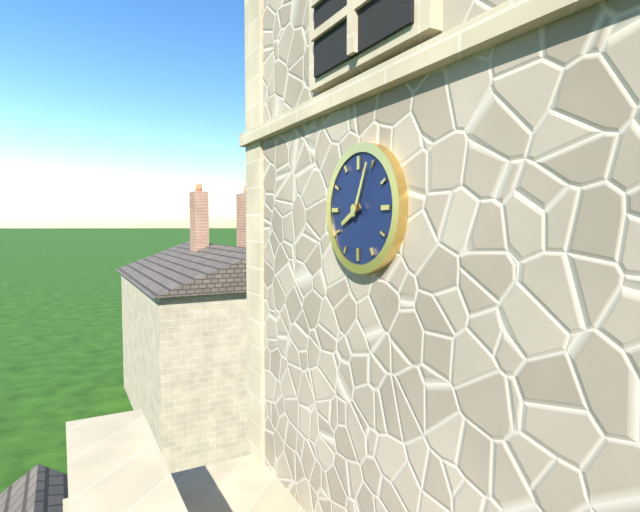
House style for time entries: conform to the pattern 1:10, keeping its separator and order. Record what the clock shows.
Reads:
8:04
